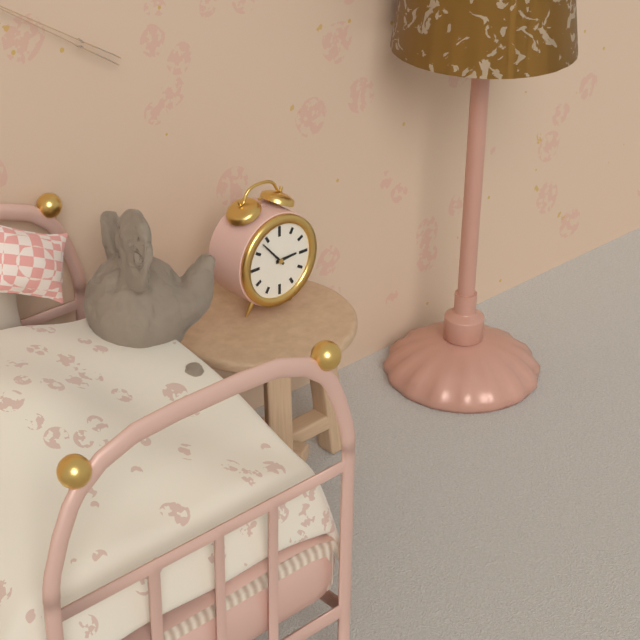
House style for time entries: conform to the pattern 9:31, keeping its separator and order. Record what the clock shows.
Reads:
2:53
